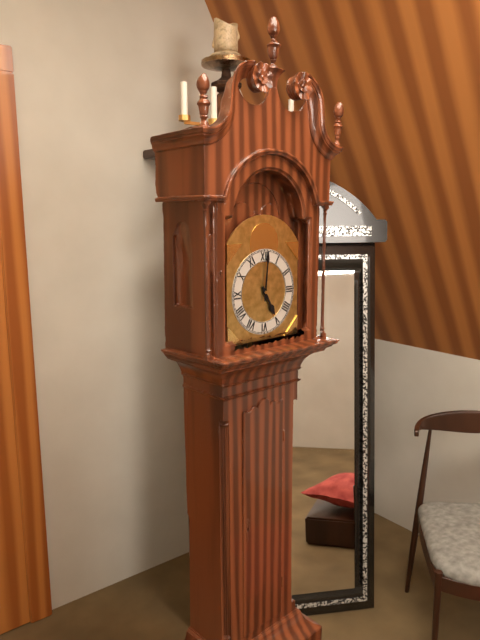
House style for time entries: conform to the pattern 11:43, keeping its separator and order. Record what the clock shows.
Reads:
5:01
